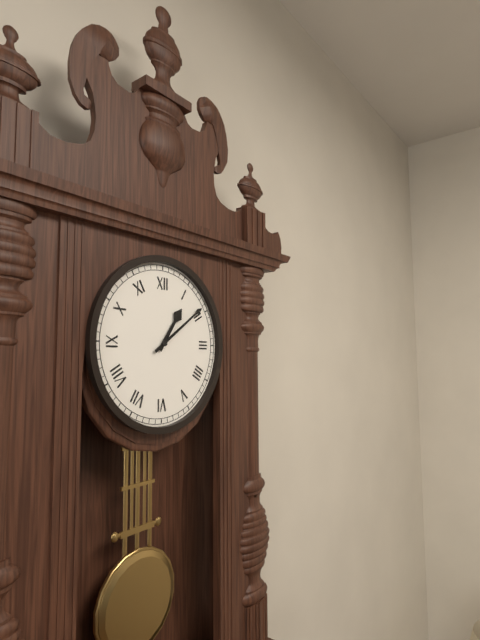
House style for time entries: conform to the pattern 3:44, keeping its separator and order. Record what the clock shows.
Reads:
1:09
